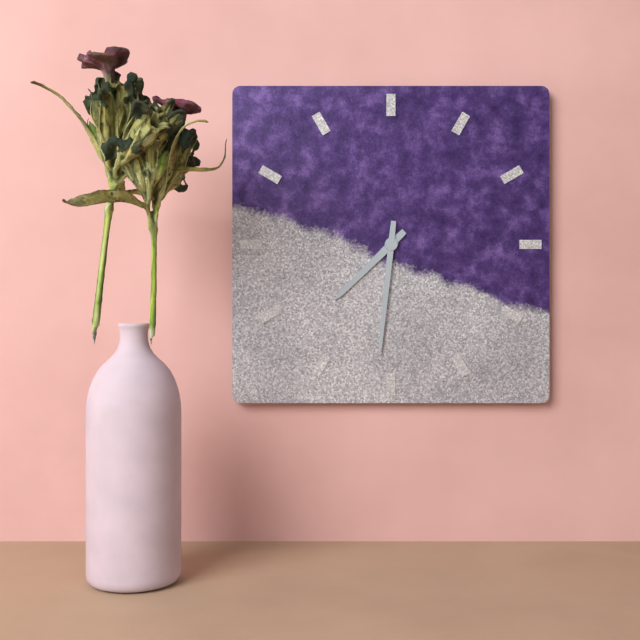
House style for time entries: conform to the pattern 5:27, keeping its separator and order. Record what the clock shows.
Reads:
7:31
